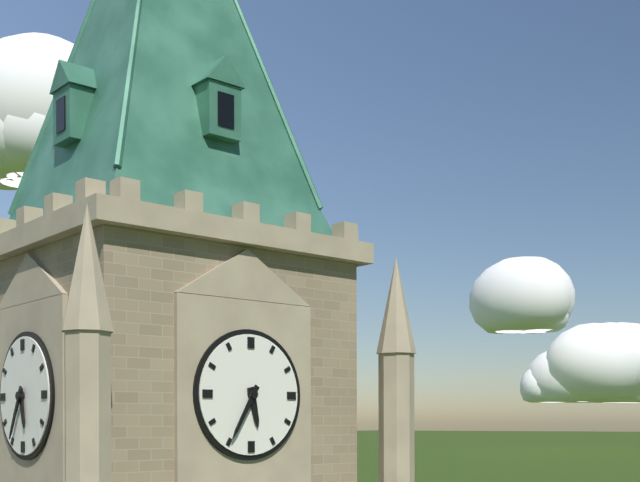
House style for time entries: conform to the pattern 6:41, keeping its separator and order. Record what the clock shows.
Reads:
5:35
